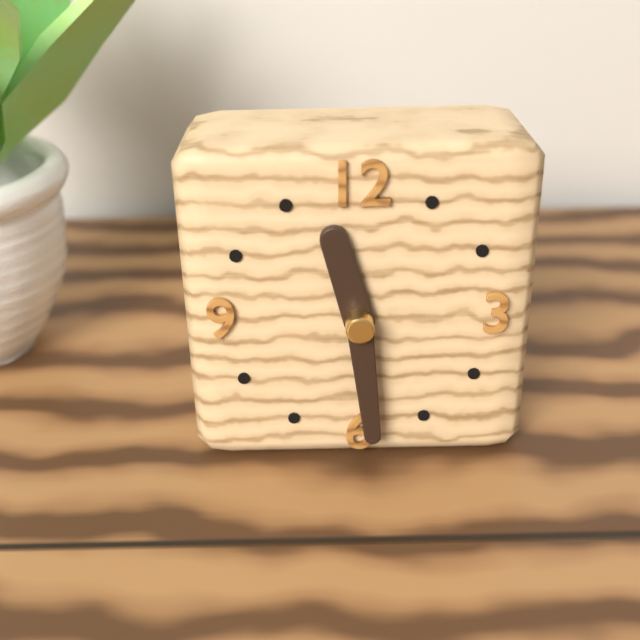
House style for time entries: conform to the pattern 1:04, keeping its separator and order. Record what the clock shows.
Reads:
11:29
